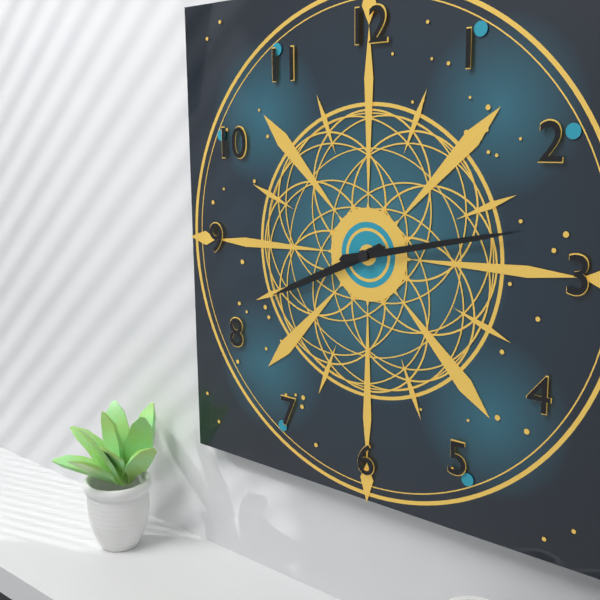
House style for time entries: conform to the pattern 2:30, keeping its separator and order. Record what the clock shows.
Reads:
8:13
